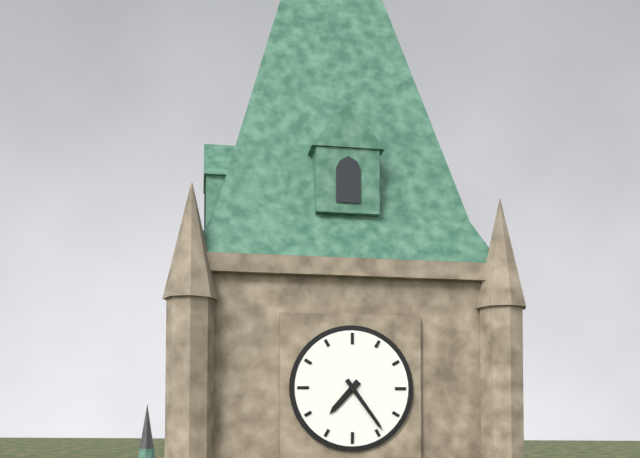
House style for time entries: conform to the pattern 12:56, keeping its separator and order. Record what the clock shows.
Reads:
7:24
